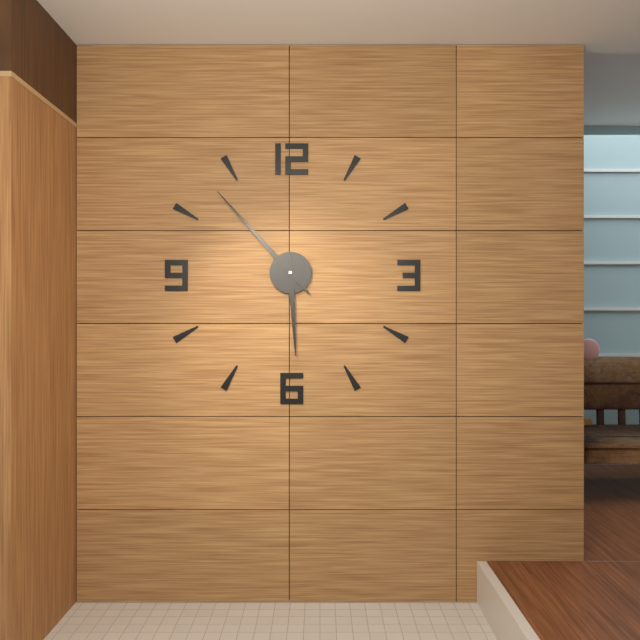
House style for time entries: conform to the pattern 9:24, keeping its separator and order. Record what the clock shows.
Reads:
5:53
